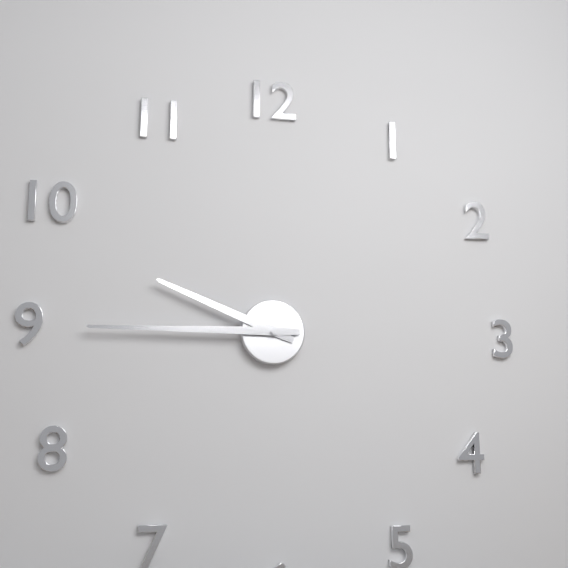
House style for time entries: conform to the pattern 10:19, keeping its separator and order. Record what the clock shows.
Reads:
9:45
